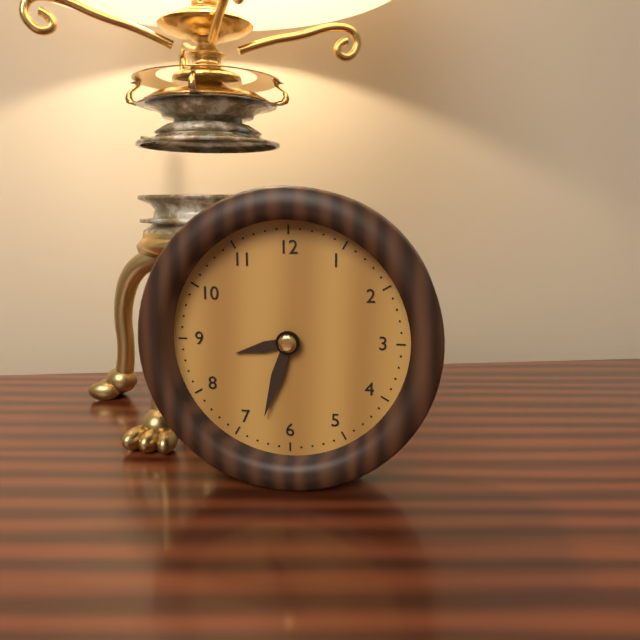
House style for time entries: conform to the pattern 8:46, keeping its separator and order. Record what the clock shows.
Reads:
8:33
